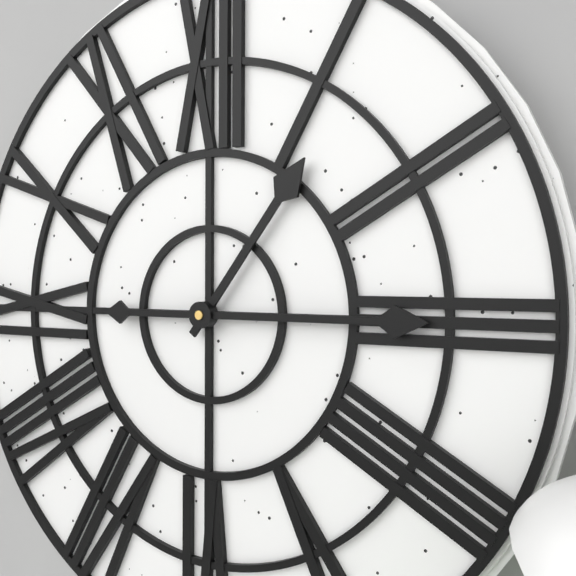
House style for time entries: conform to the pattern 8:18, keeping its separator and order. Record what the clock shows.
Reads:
1:15
